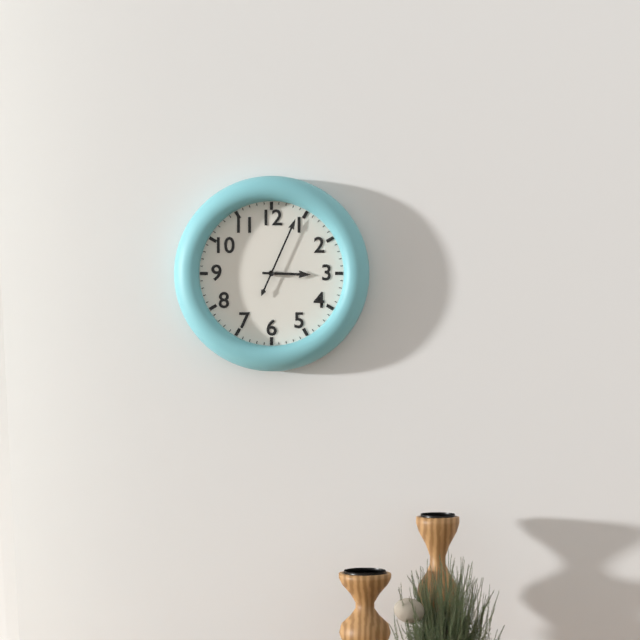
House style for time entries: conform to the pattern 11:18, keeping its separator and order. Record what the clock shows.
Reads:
3:04
